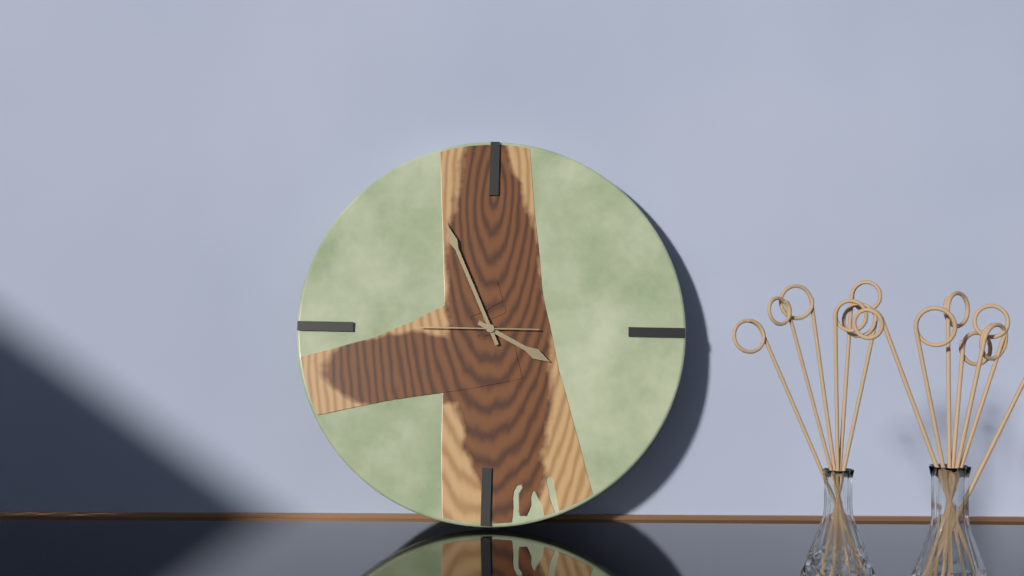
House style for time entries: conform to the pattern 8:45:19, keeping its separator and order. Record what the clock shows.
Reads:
3:56:45
